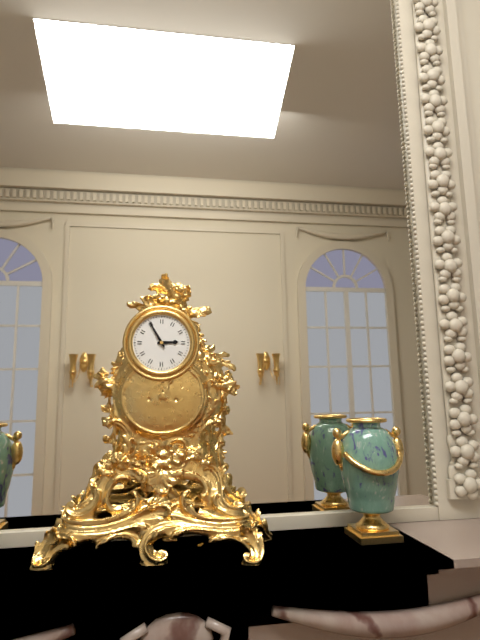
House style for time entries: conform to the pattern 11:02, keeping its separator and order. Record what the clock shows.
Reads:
2:55
